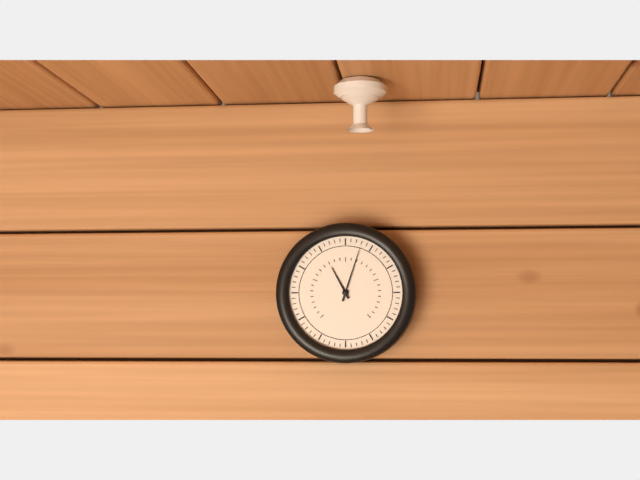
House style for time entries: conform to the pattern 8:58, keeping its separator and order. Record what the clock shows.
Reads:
11:03
